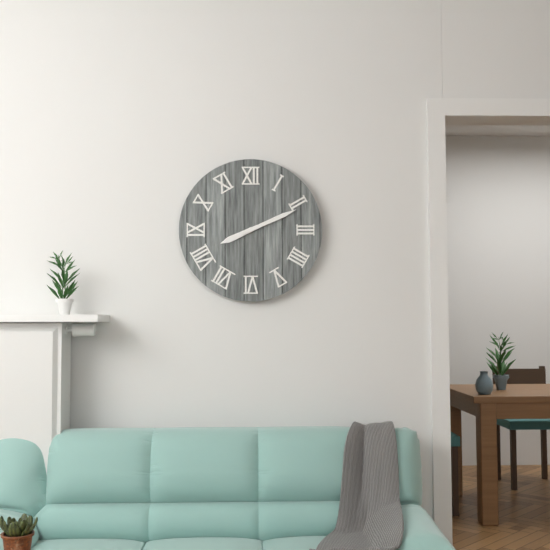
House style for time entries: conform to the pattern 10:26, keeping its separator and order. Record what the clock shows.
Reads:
8:11
